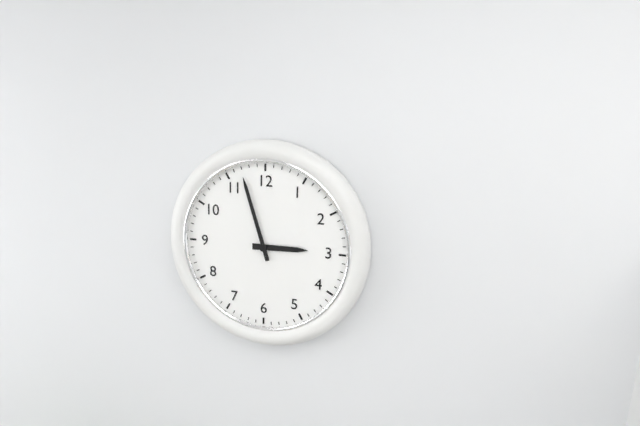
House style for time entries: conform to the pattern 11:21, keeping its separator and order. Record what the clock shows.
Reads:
2:57
